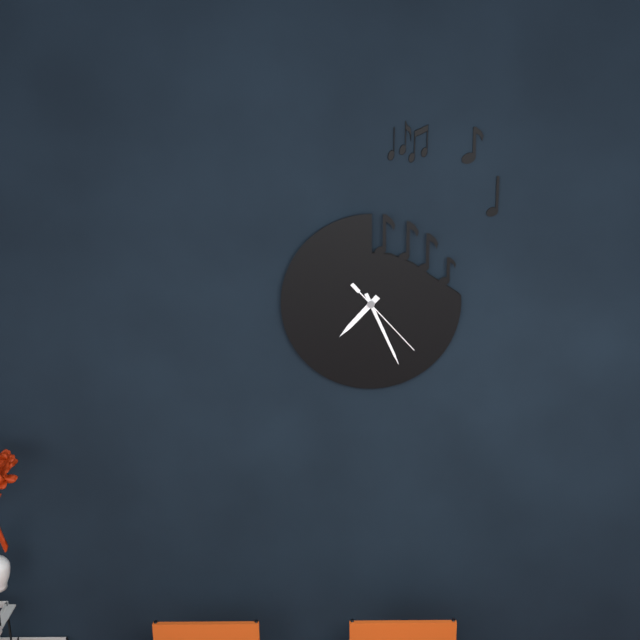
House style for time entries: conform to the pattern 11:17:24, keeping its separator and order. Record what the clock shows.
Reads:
7:26:23
